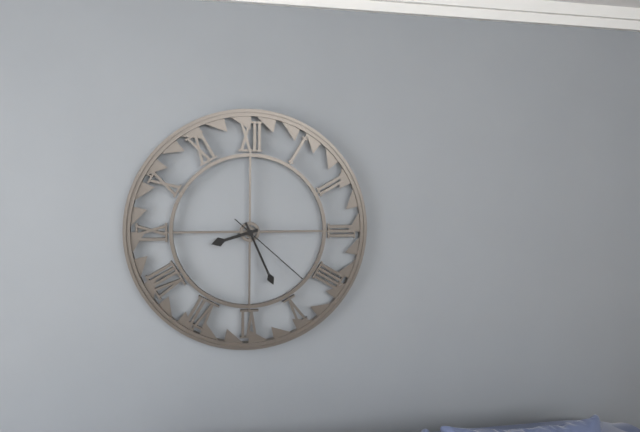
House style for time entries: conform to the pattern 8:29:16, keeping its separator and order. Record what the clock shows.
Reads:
8:26:22
